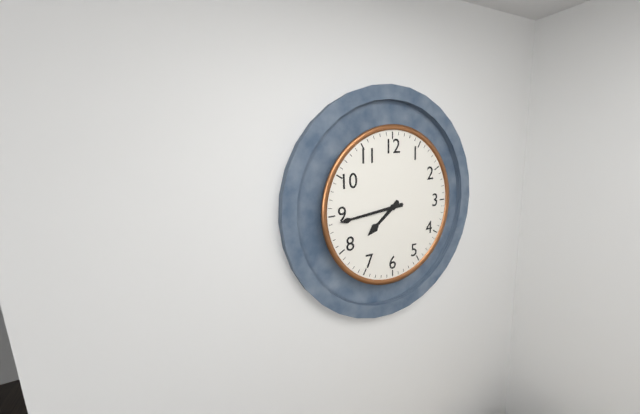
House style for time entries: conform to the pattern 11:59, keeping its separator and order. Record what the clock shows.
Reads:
7:44
